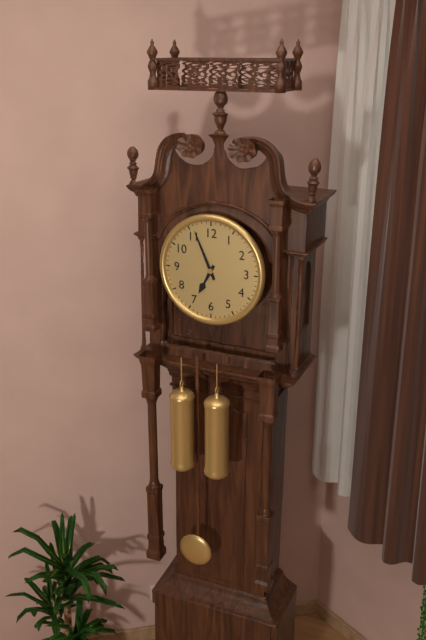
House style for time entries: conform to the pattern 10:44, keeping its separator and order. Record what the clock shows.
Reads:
6:56
